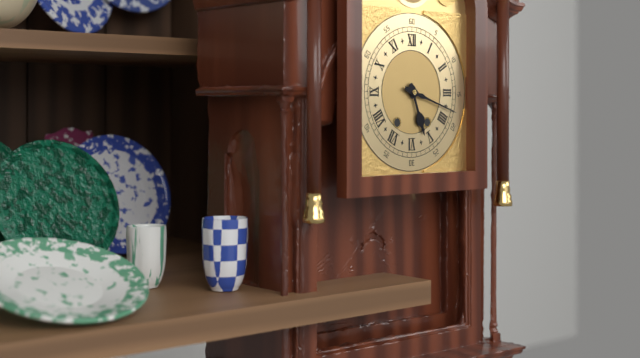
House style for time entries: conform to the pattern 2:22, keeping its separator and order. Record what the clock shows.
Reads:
5:18
